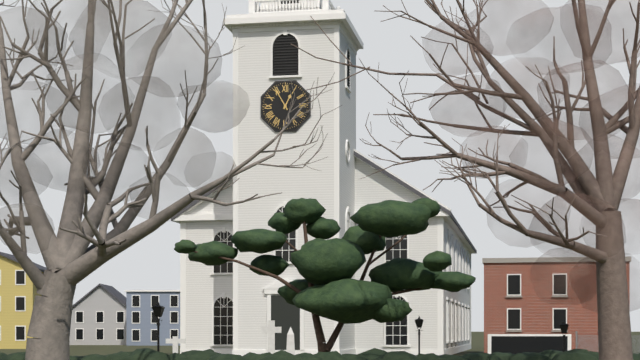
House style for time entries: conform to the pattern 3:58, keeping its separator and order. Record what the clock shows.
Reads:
12:55
